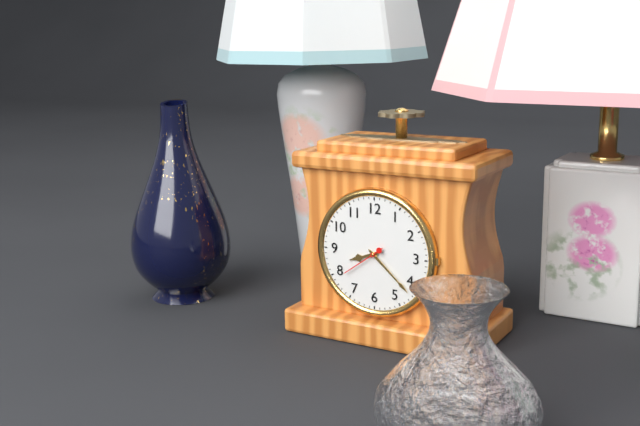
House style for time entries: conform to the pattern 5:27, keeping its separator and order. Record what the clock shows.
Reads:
8:22
